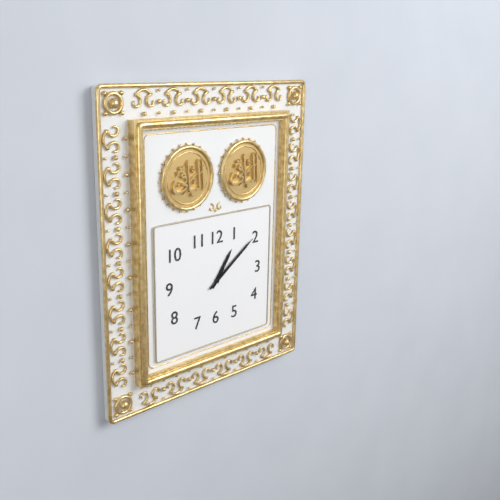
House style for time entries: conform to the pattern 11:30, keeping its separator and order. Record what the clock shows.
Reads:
1:09
